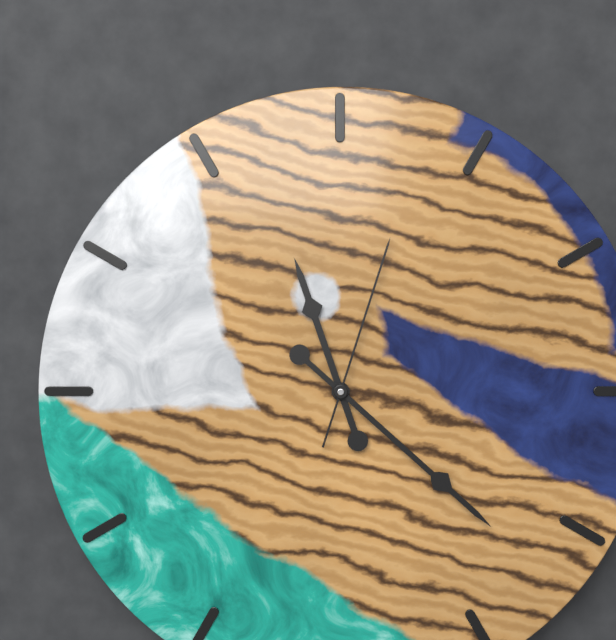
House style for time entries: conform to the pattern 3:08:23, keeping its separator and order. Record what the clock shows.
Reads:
11:22:03
